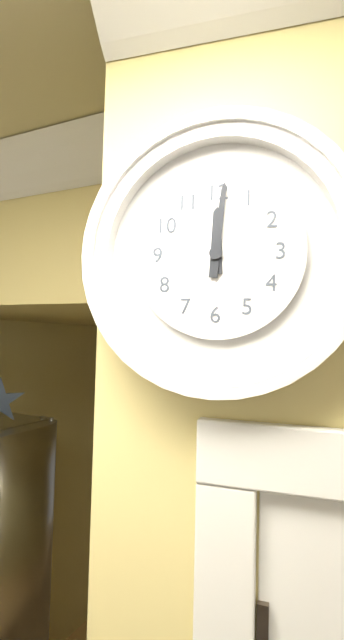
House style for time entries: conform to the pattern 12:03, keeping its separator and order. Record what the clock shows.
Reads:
12:01
